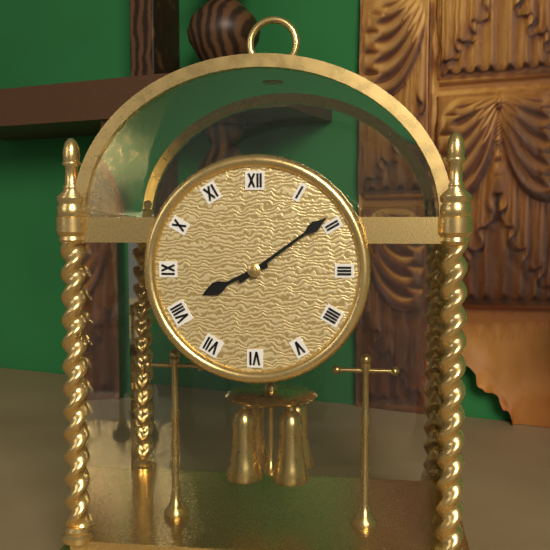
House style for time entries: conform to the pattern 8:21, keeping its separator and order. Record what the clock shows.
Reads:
8:09
